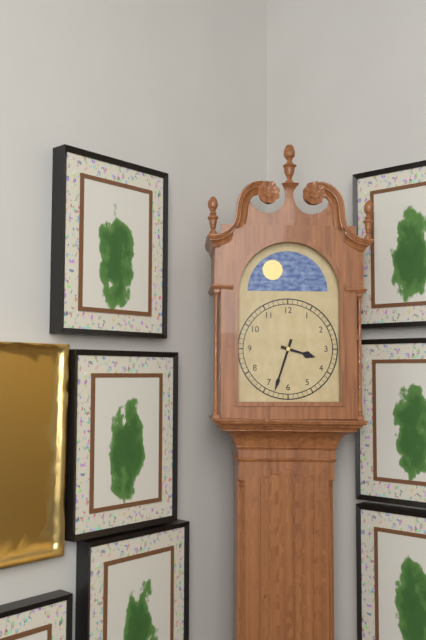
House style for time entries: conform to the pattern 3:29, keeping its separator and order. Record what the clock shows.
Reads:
3:33
